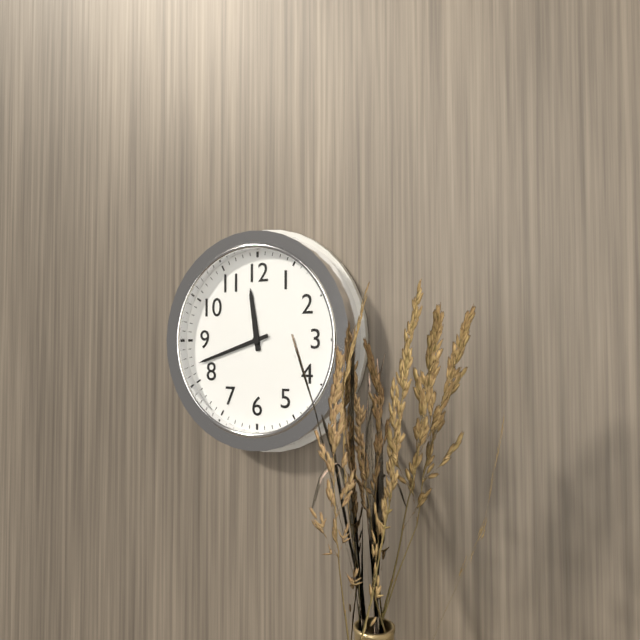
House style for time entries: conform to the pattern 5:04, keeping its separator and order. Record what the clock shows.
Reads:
11:42
